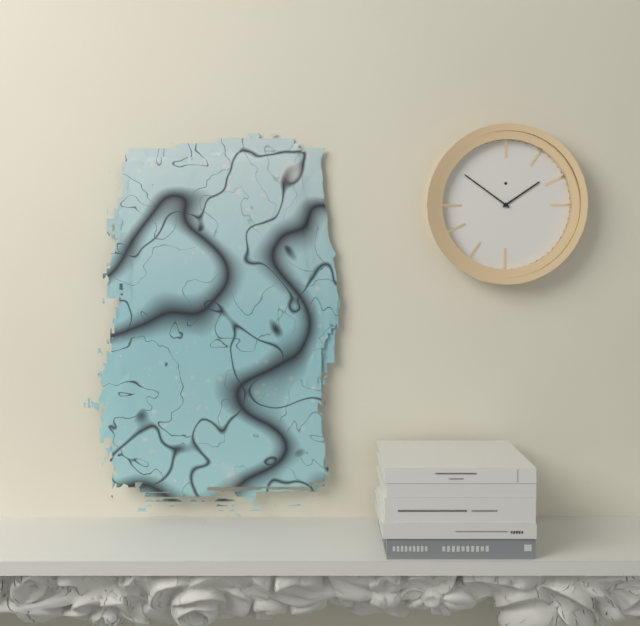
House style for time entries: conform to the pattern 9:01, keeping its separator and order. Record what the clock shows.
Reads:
1:51
